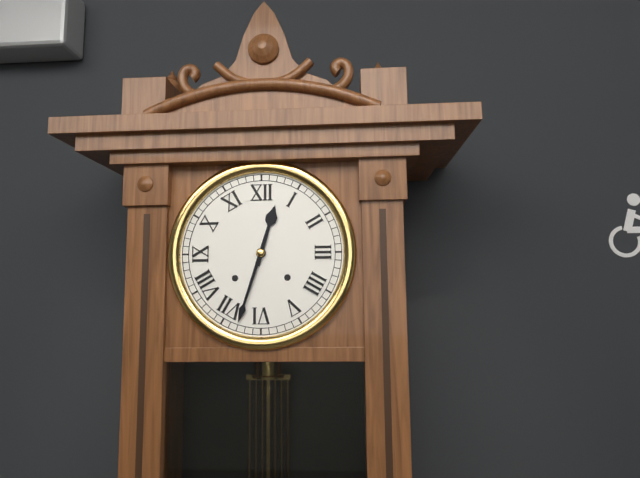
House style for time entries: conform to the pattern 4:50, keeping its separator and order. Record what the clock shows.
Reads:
12:33
